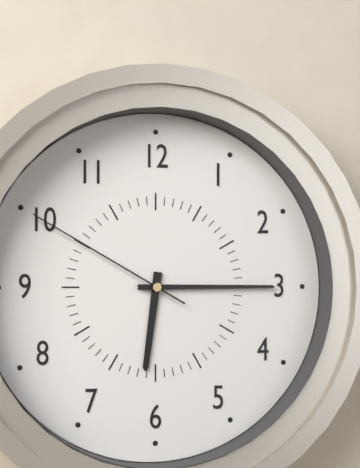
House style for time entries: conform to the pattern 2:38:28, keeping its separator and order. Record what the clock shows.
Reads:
6:15:50
